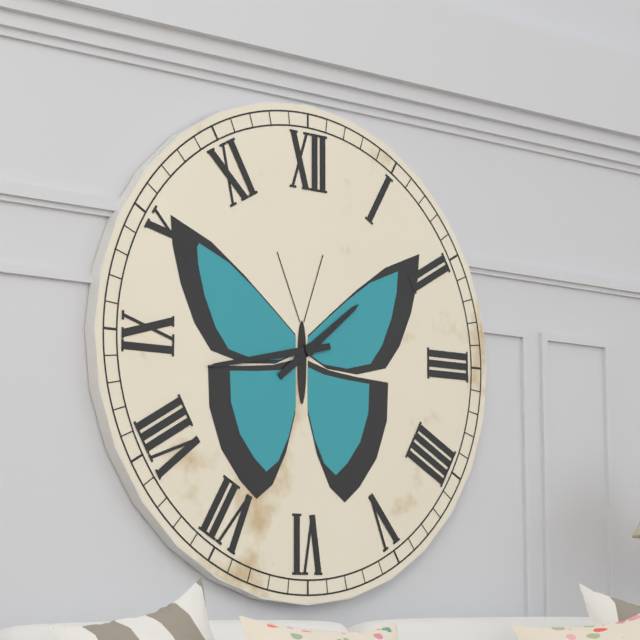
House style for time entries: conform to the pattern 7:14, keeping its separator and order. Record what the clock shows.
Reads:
1:43
